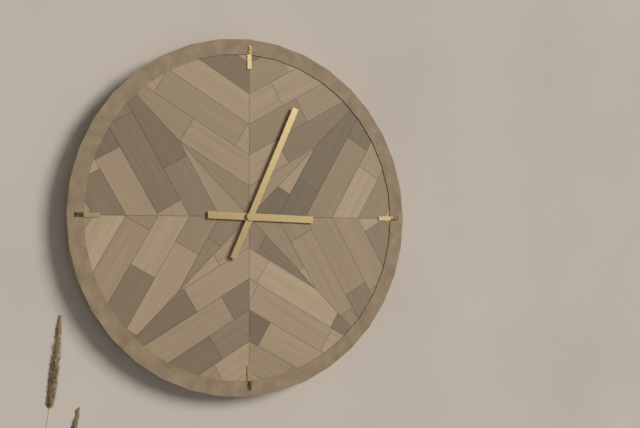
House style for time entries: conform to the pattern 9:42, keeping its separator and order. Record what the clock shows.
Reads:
3:04
